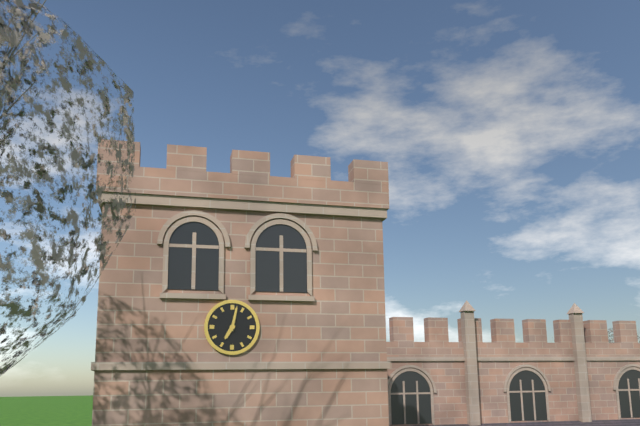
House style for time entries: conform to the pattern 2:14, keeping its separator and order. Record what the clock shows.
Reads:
7:02
